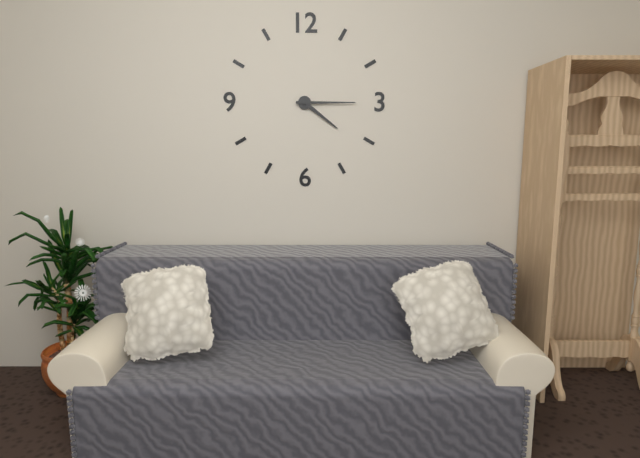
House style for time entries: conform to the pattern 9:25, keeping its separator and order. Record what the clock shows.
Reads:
4:15
